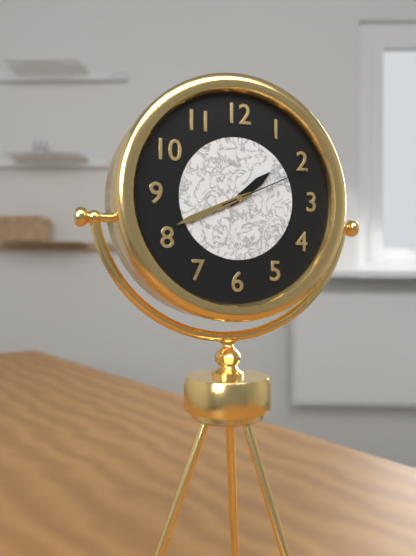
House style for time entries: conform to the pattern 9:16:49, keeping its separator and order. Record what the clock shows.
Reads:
1:41:11
